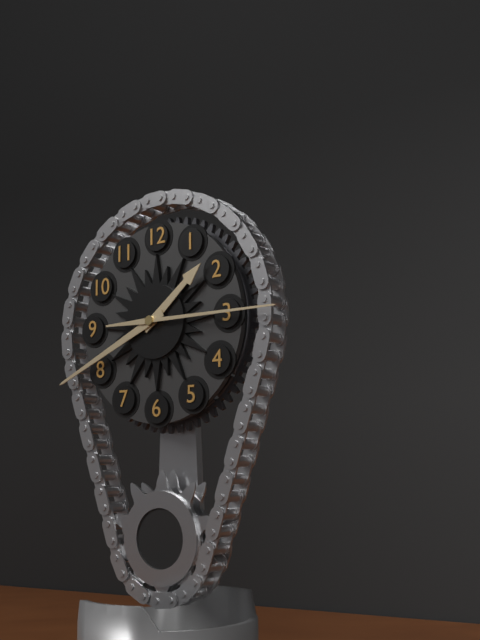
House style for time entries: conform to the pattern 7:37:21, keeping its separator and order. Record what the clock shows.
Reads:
1:41:15
